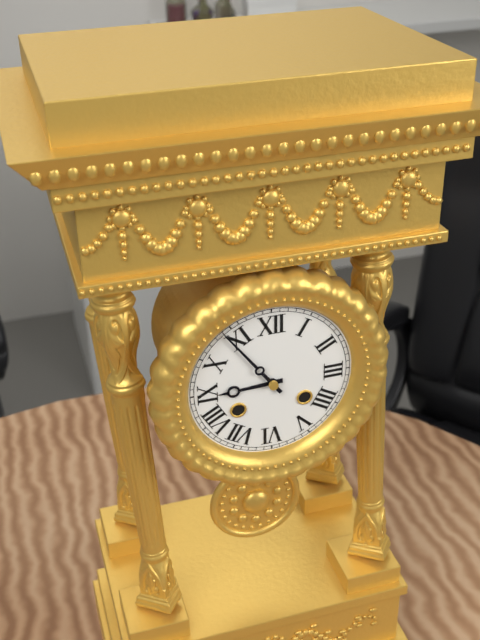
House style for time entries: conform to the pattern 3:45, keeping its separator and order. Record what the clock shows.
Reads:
8:54
